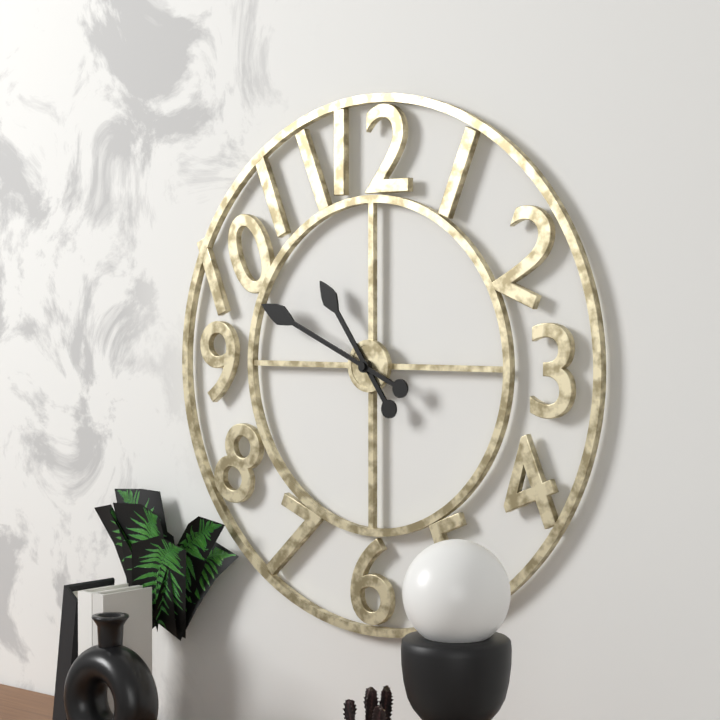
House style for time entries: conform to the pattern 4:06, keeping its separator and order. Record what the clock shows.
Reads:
10:49
